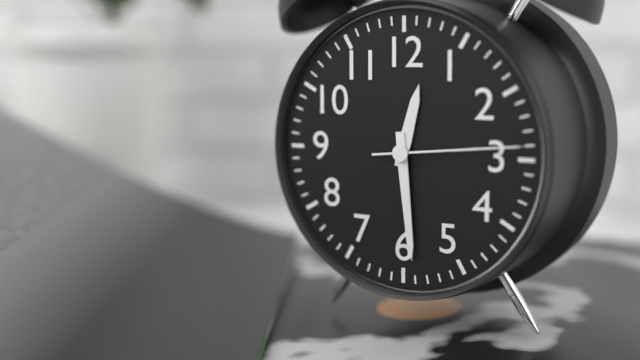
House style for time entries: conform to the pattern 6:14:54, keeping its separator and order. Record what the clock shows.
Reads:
12:29:14
